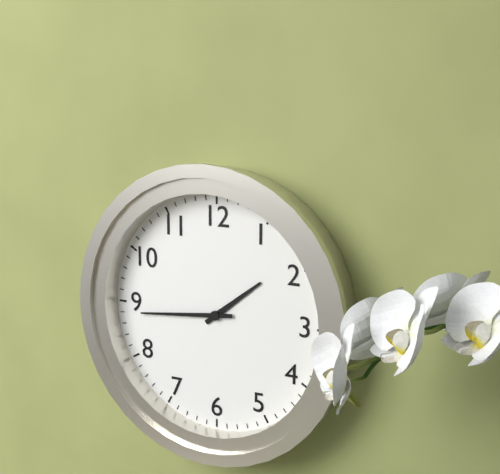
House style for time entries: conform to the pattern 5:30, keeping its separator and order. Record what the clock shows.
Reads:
1:44
